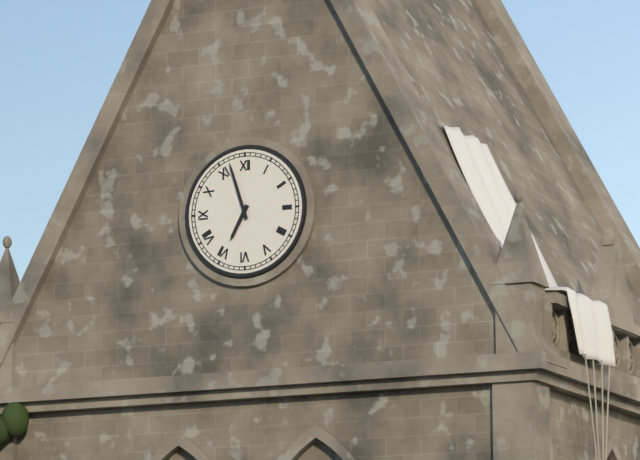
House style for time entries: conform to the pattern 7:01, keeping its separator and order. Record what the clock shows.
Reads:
6:57
